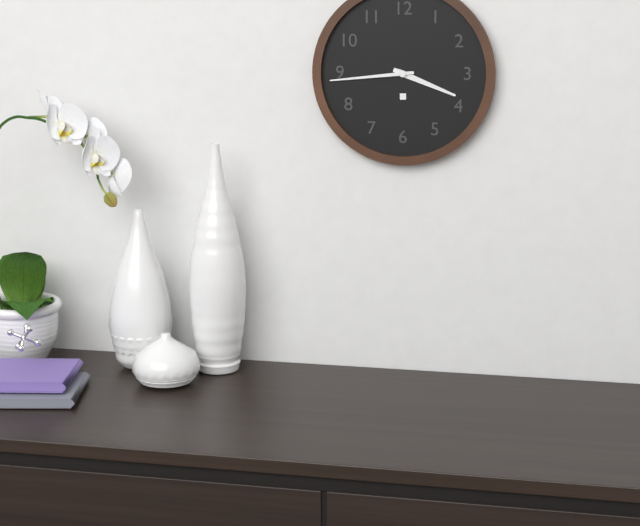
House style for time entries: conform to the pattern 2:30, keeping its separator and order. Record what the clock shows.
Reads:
3:44
